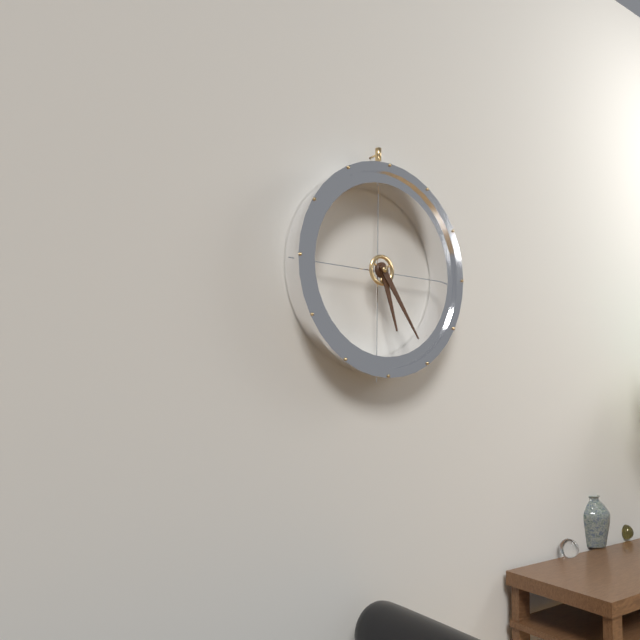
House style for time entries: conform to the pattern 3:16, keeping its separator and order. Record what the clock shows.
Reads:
5:24
